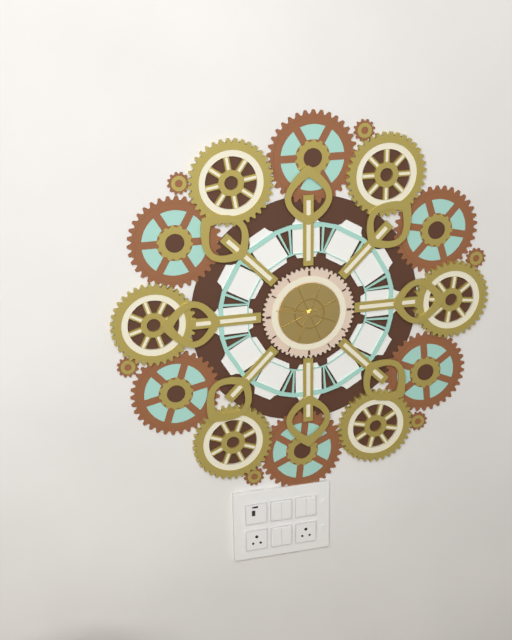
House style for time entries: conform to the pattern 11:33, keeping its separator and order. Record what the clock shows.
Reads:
6:47
